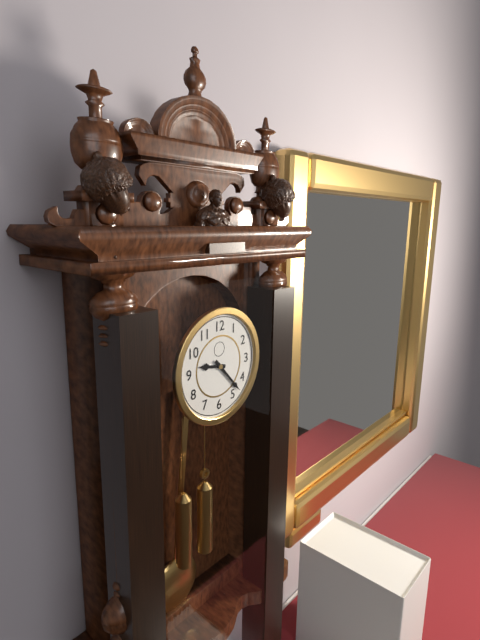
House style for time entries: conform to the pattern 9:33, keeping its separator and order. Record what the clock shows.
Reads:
9:23
